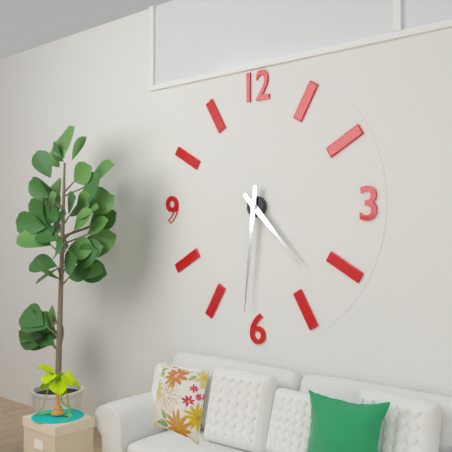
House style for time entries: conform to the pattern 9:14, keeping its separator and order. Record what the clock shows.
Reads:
4:31
